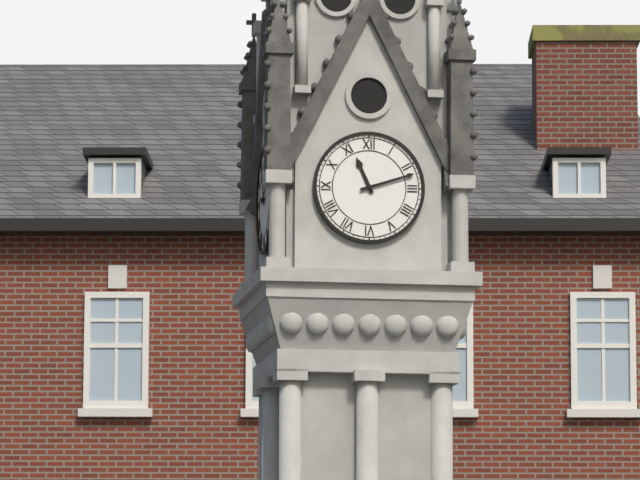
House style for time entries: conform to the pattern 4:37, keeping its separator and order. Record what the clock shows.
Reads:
11:12
